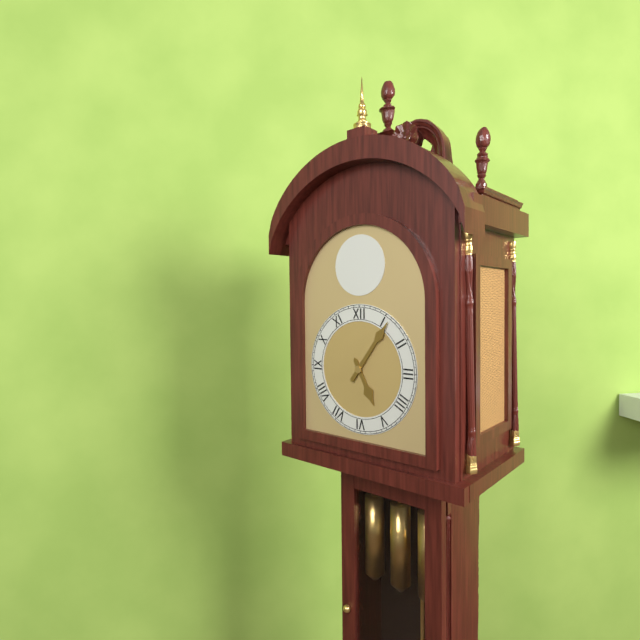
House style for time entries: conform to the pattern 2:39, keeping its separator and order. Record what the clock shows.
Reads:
5:06
